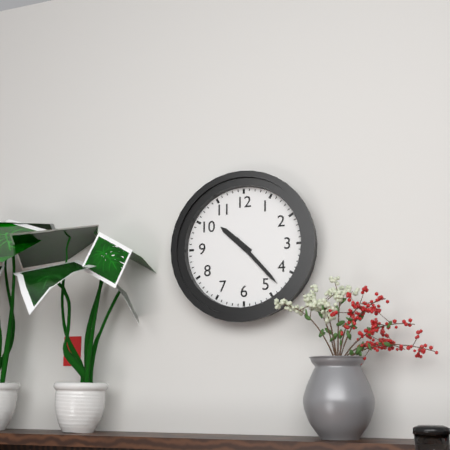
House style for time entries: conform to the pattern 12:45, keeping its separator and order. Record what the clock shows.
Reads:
10:23
